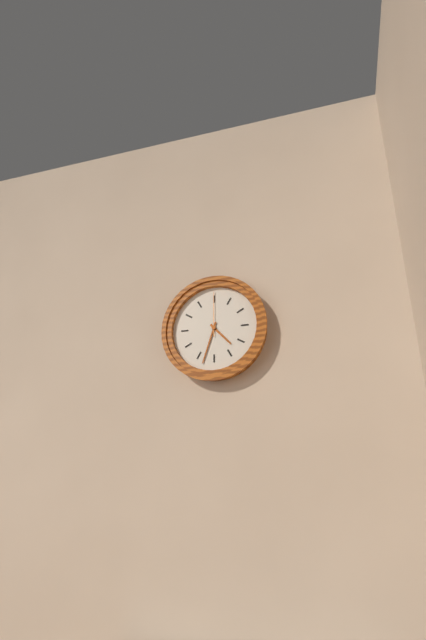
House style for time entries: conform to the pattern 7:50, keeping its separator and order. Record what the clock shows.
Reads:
4:33
